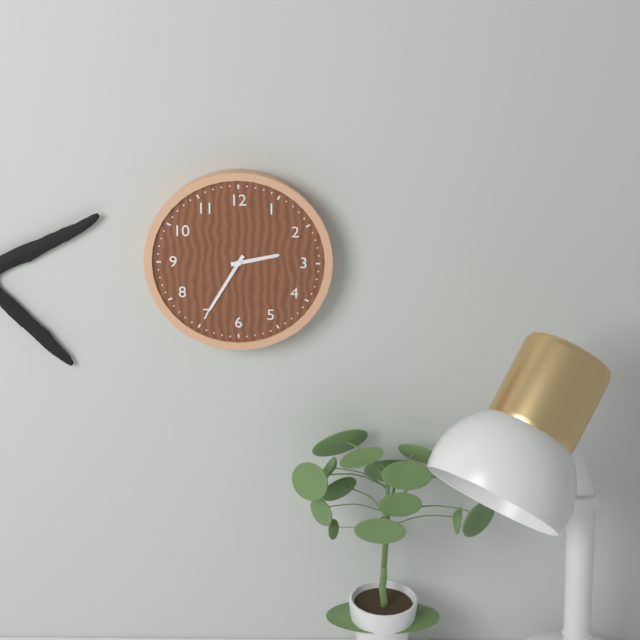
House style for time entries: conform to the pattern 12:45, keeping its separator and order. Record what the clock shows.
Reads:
2:35
